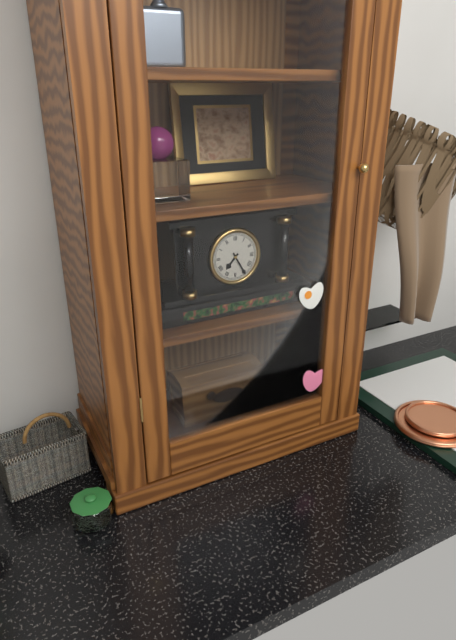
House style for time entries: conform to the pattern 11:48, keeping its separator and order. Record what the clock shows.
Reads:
7:25
